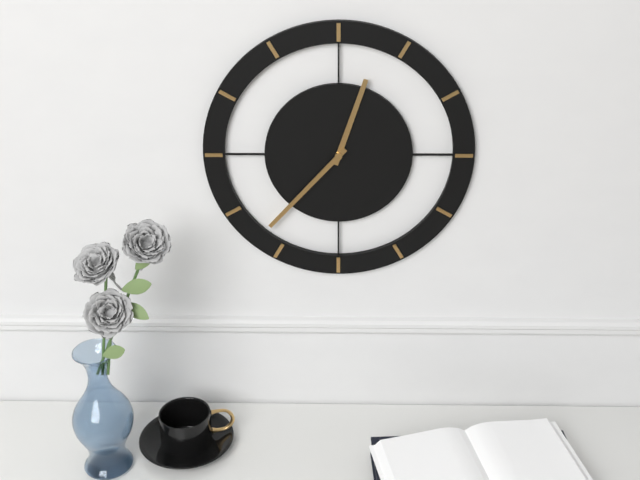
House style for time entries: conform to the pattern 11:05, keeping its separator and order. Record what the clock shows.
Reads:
12:37
